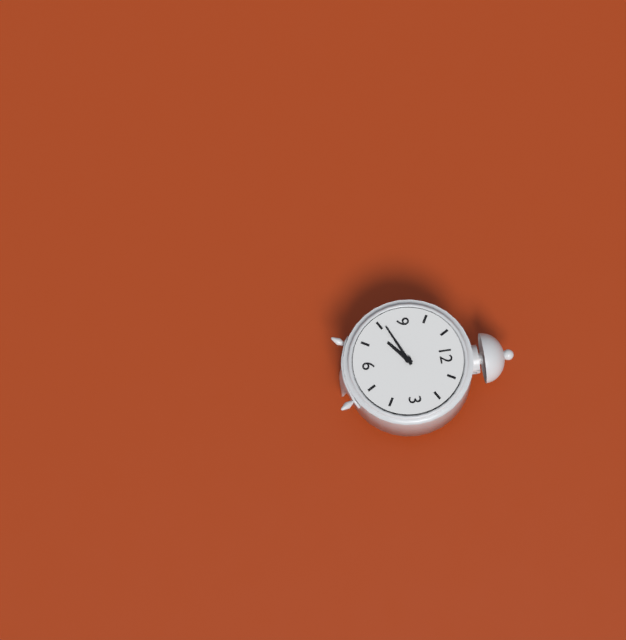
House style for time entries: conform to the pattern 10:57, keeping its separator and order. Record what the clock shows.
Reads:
7:41
